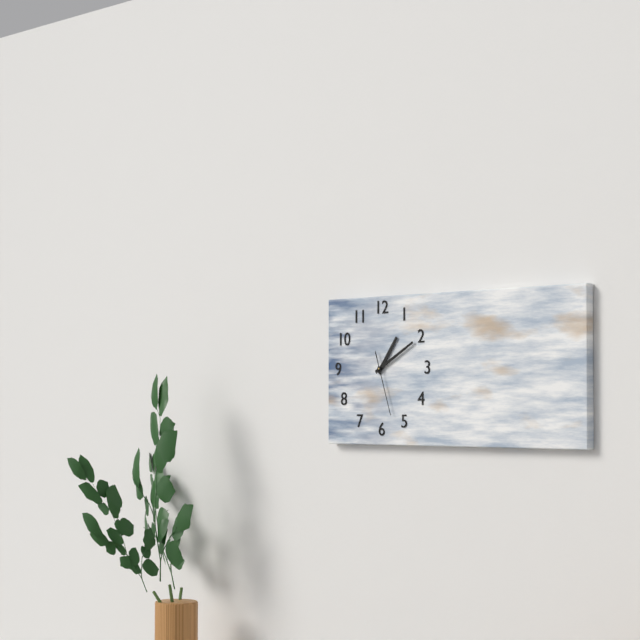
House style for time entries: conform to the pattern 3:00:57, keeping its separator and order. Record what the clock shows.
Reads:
1:10:27
